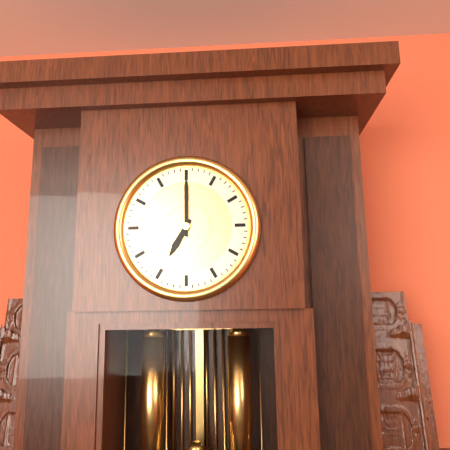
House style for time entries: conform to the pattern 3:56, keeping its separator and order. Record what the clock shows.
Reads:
7:00
